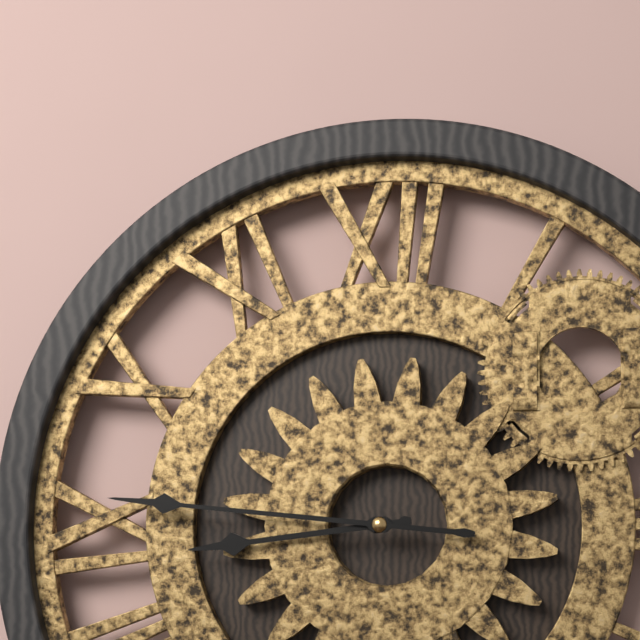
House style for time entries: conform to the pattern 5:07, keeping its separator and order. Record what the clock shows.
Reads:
8:46
